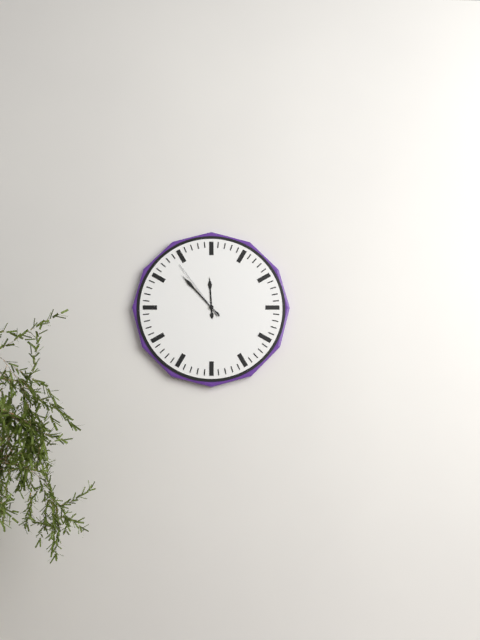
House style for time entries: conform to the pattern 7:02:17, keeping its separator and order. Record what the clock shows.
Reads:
11:53:54
